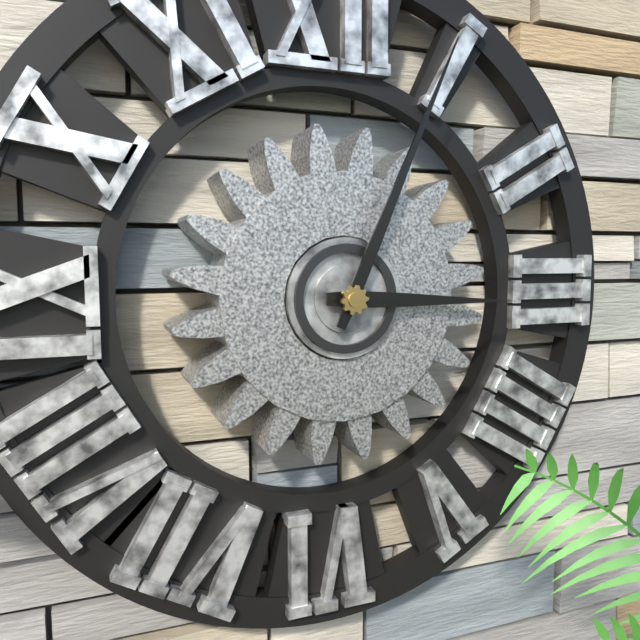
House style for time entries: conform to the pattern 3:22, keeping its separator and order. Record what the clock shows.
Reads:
3:04
